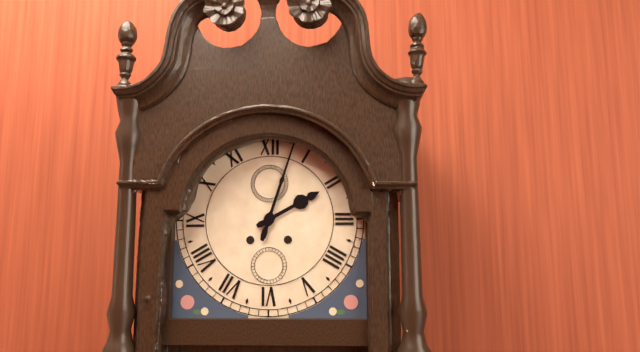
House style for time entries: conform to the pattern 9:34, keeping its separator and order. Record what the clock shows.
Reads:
2:03
